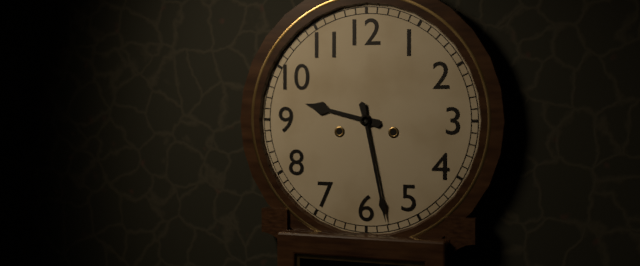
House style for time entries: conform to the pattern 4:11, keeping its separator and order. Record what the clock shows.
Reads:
9:28
